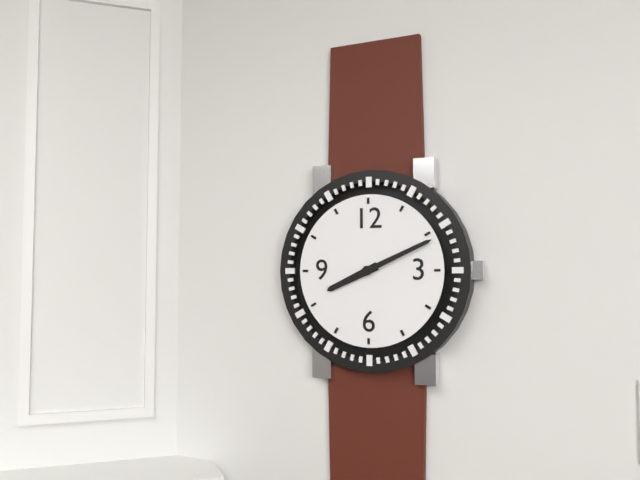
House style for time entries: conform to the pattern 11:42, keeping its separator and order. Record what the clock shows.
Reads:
8:11
